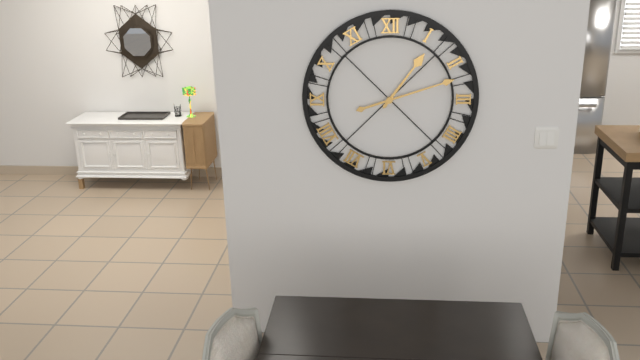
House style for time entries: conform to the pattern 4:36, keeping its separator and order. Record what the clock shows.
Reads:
1:12
